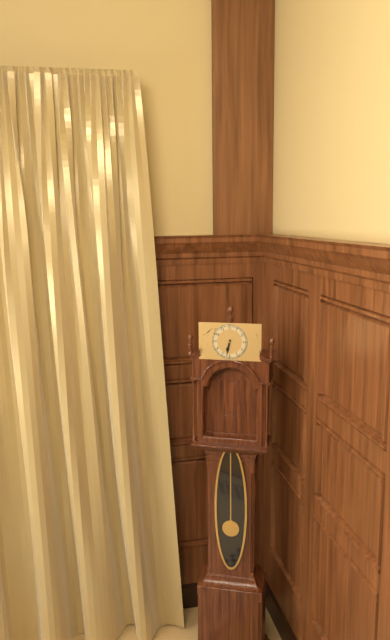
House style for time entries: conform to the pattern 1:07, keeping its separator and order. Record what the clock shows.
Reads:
6:32
